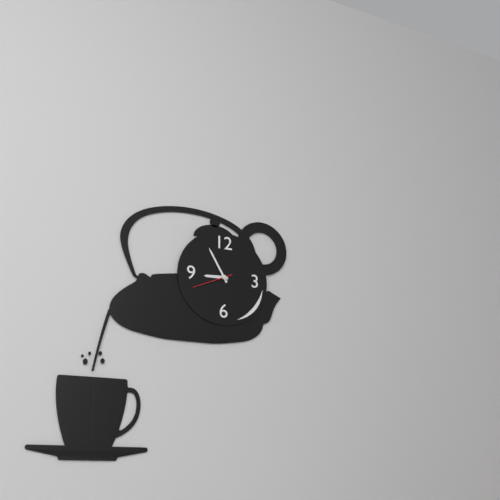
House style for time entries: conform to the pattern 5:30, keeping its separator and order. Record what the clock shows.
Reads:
8:55
